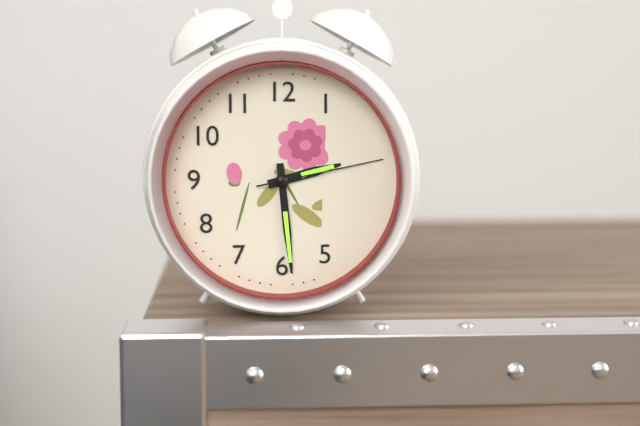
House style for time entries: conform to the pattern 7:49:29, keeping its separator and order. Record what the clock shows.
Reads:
2:29:13
